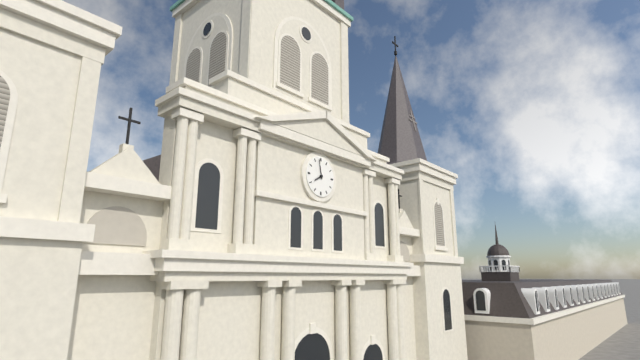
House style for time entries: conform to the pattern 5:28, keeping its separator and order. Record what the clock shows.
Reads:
7:58
